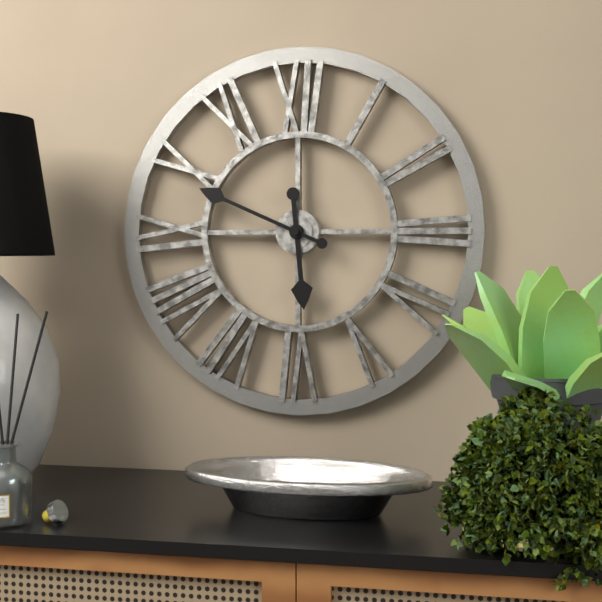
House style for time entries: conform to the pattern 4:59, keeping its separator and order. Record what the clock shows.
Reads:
5:49
